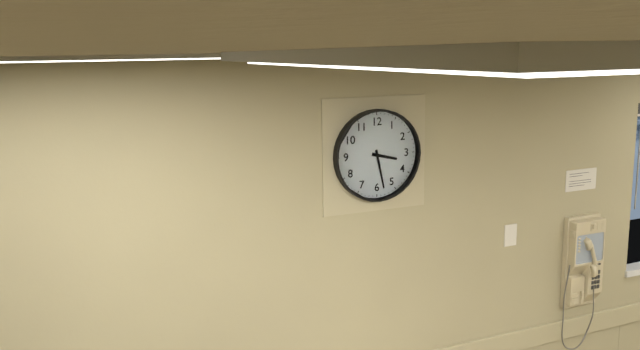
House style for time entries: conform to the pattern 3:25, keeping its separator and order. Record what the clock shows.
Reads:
3:28
